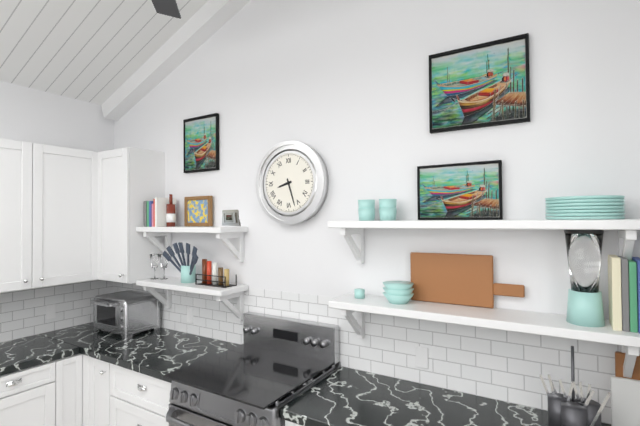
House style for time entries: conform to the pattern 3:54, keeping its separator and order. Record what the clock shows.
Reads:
8:27
